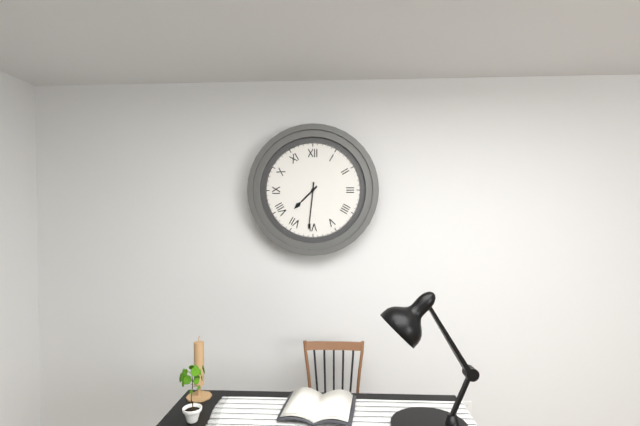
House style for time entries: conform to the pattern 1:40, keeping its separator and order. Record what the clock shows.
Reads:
7:31
